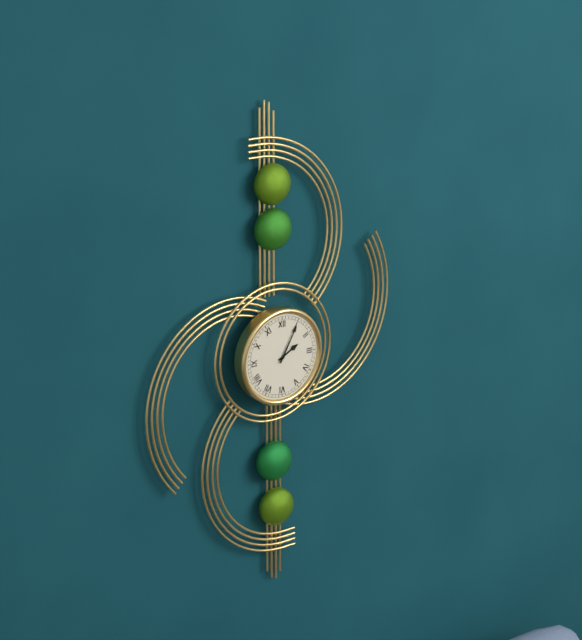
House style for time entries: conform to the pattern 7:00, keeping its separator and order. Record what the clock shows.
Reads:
2:05
